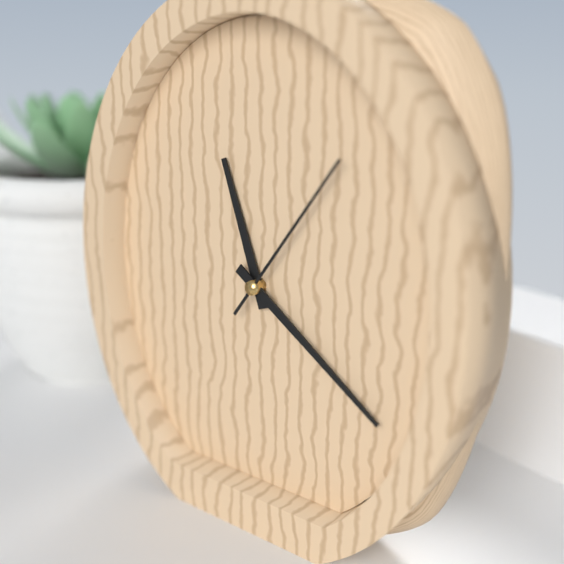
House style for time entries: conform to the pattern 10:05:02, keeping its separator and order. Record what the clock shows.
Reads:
11:21:06
